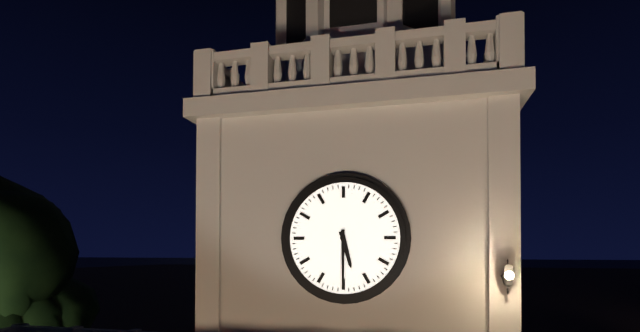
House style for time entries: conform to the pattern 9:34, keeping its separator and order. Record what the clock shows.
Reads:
5:30
